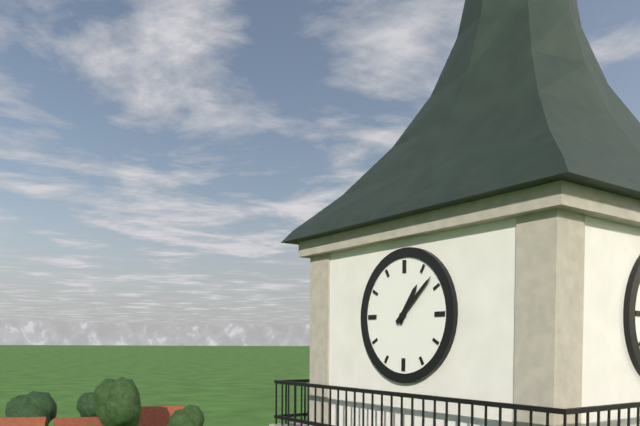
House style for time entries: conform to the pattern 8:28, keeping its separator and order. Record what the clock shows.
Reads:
1:08
